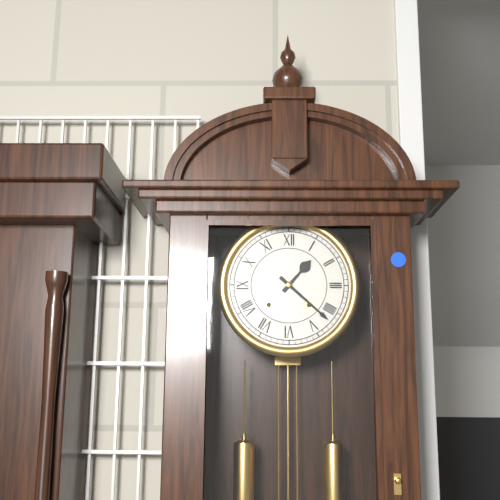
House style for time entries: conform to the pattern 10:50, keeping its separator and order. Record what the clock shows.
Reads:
1:22
